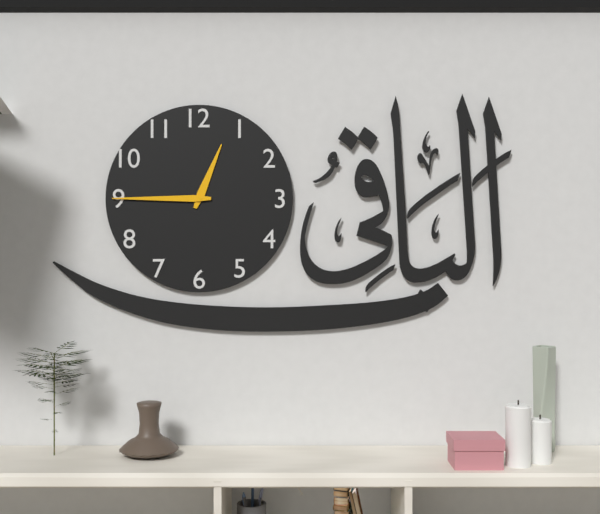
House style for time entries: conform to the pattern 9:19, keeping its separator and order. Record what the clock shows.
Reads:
12:45
